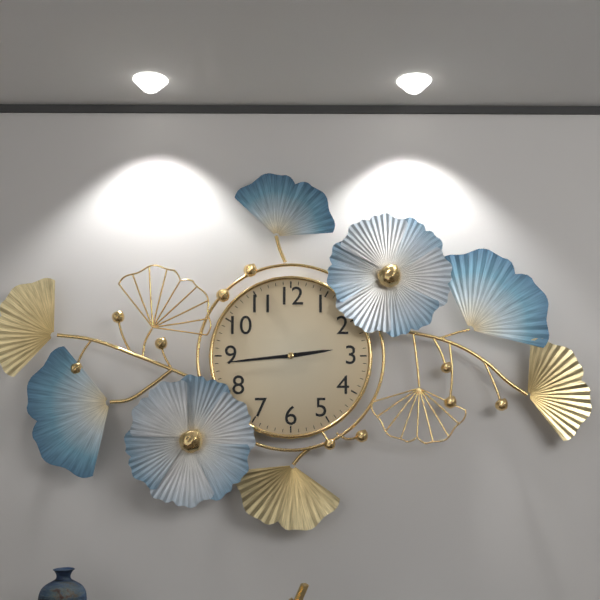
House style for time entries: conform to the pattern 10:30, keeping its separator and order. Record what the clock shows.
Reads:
2:44
